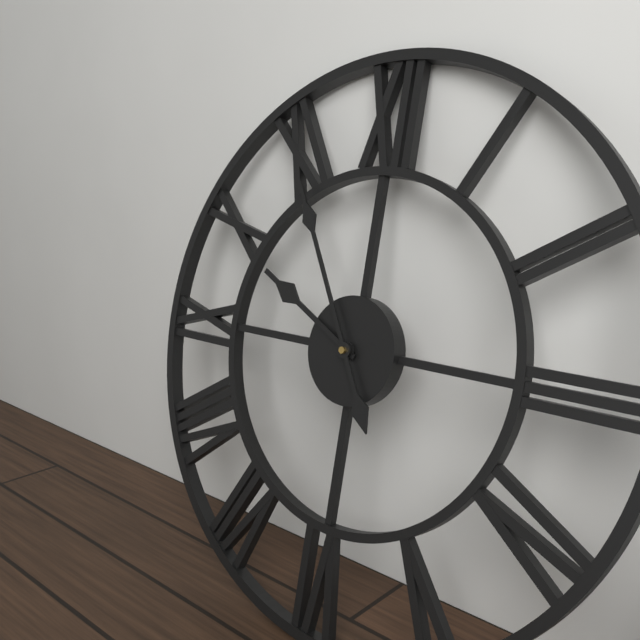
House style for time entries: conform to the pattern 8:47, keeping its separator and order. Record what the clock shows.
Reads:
9:55
